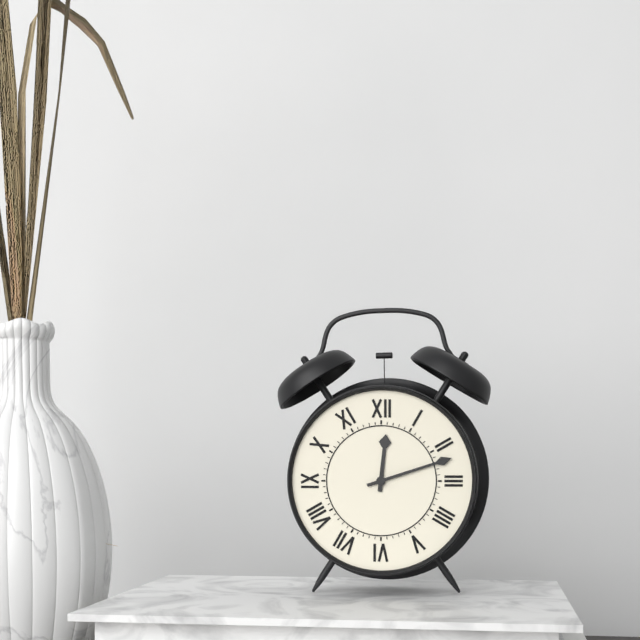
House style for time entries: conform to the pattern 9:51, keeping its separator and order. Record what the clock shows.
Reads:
12:12
